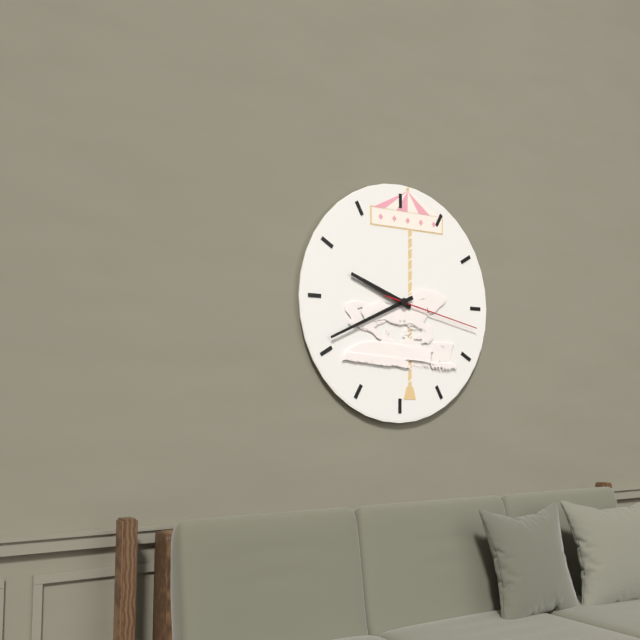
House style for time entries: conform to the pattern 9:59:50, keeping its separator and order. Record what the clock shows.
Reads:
9:41:17
